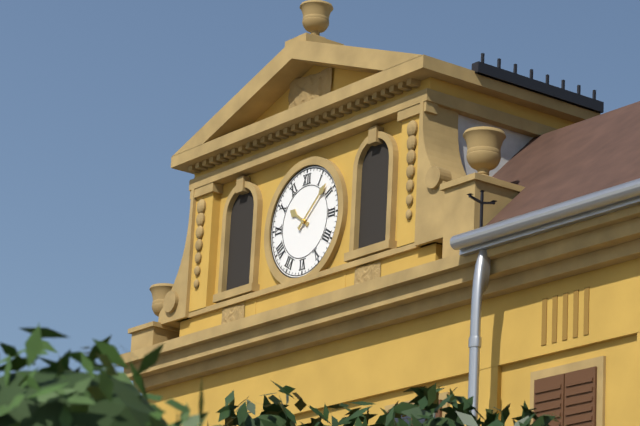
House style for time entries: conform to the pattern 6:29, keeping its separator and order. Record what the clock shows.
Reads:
10:08
